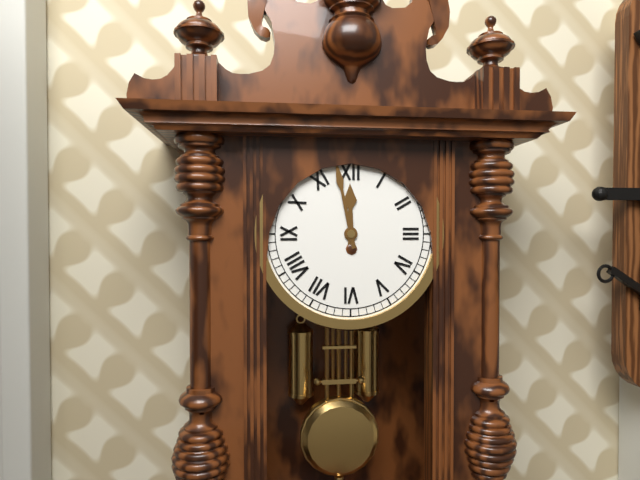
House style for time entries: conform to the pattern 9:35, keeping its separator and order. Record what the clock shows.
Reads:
11:58
